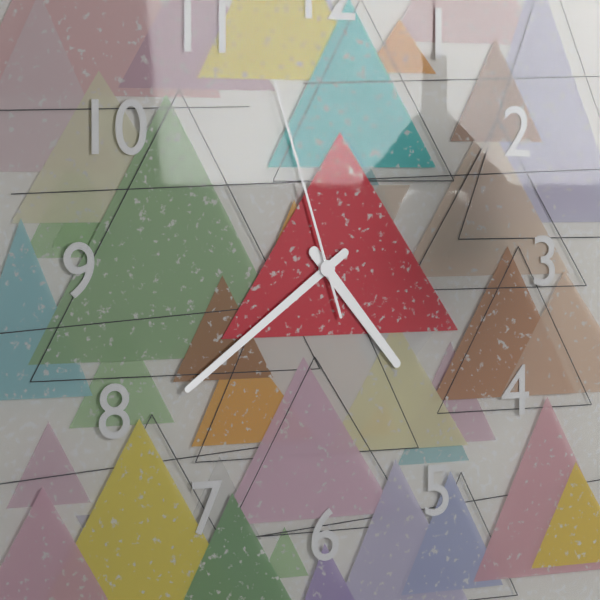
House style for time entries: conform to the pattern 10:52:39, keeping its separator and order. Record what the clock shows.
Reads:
4:39:57
